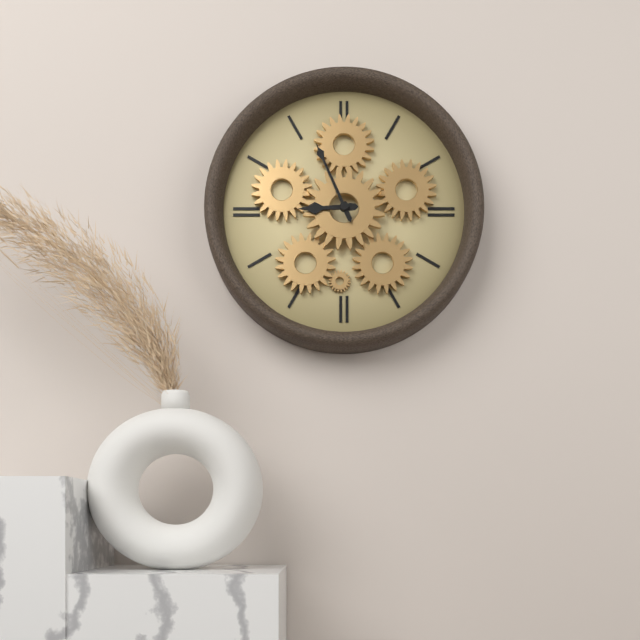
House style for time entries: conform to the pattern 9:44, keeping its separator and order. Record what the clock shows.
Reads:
8:56
